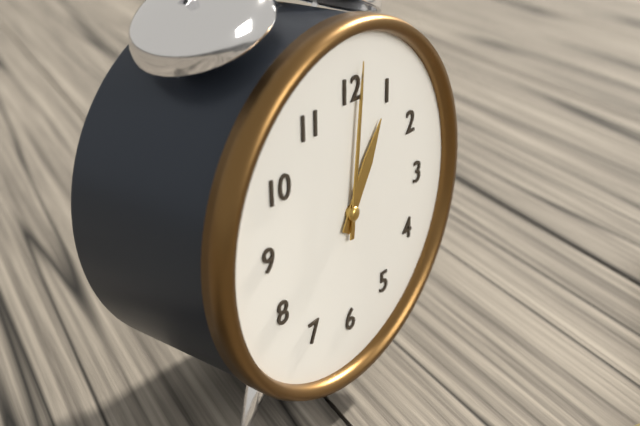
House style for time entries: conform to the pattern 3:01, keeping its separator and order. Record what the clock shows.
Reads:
1:01
